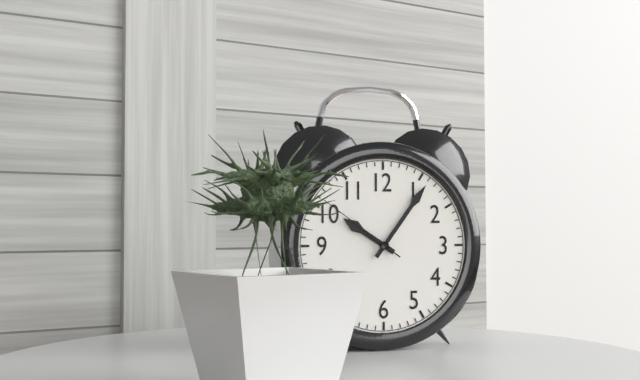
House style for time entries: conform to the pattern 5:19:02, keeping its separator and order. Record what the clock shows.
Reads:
10:06:51
